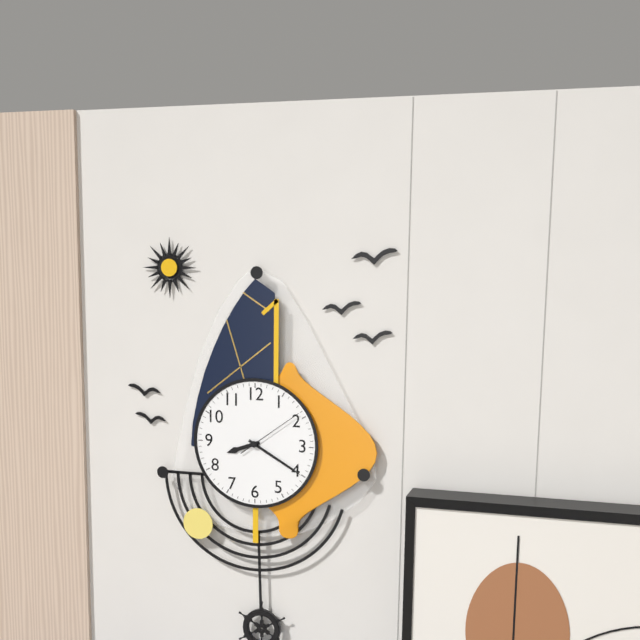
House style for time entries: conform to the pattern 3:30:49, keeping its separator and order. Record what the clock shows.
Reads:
8:20:09
